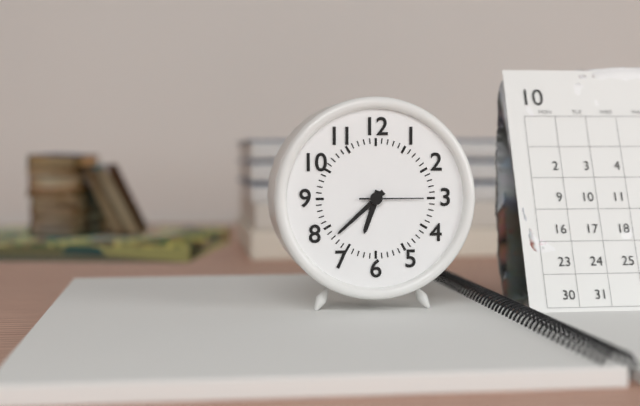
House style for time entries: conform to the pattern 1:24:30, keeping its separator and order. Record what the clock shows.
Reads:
6:38:15
